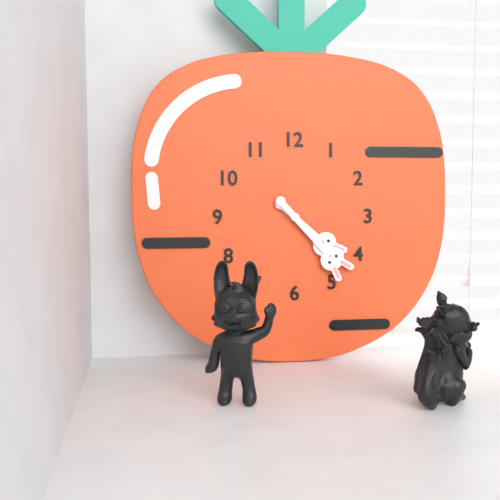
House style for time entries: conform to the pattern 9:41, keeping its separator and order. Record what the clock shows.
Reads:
4:23
